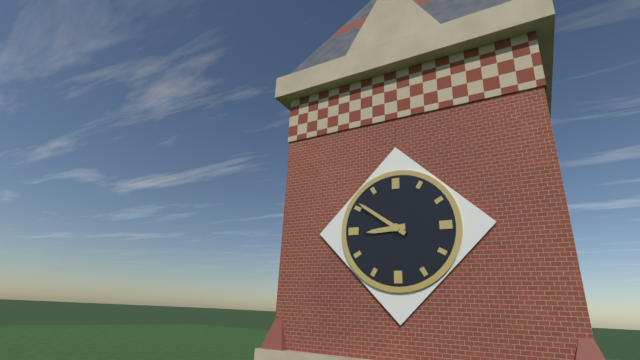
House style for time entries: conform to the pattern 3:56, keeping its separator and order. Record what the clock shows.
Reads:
8:51
